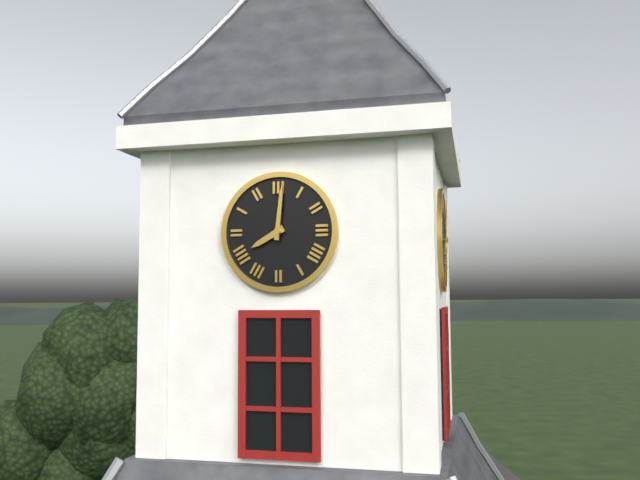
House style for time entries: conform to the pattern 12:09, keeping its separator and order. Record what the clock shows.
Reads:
8:01
